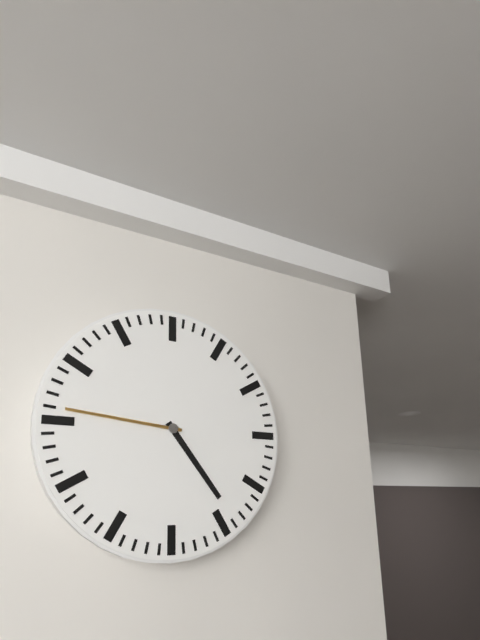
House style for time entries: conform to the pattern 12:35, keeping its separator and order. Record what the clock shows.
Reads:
4:46
